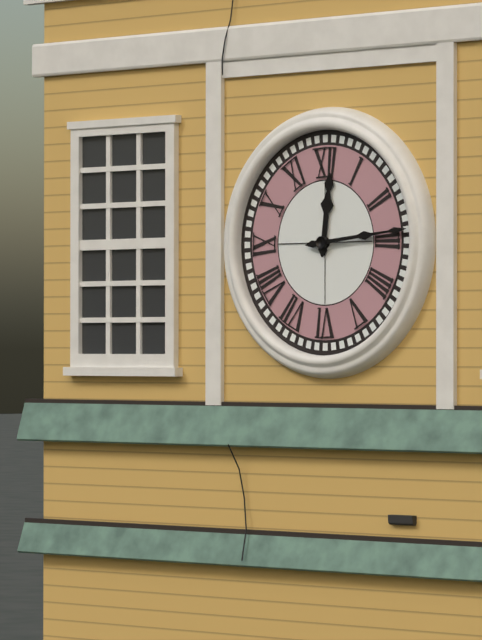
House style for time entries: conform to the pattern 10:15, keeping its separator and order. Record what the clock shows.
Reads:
12:14
